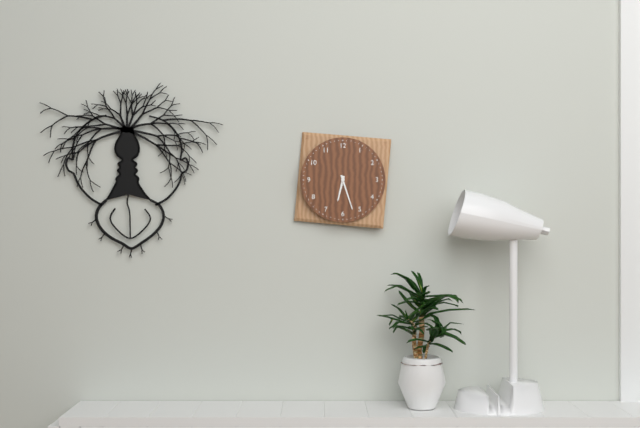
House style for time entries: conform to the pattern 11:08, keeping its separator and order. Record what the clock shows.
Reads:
6:27
